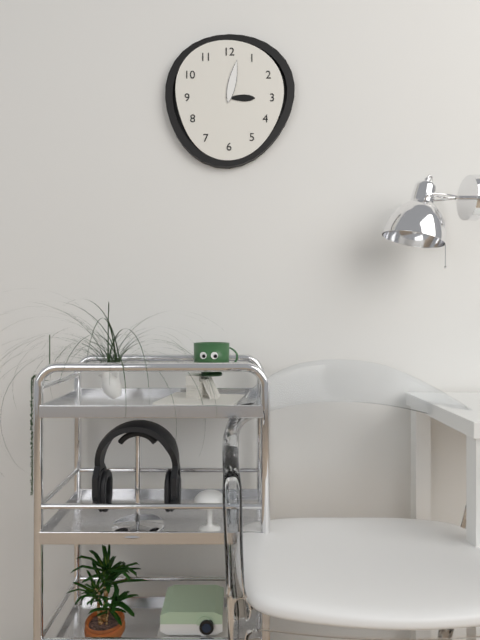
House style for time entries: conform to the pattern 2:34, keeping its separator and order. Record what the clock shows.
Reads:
3:02
